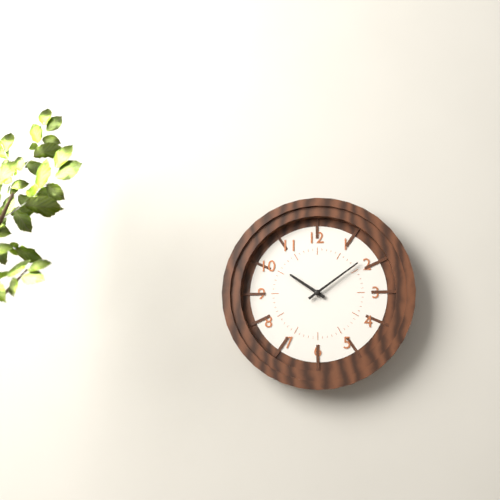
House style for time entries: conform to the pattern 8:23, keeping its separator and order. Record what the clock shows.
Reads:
10:09
